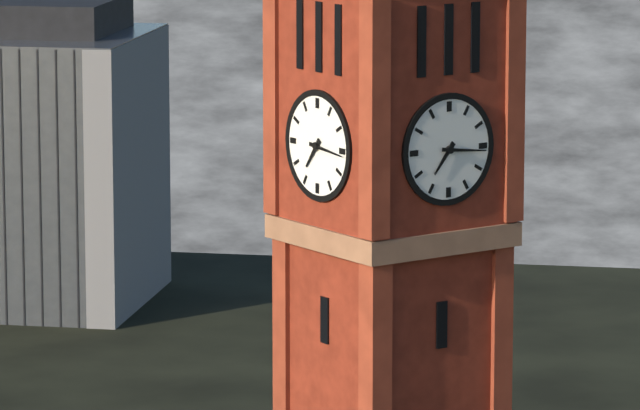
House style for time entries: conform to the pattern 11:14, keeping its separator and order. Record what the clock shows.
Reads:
7:16
